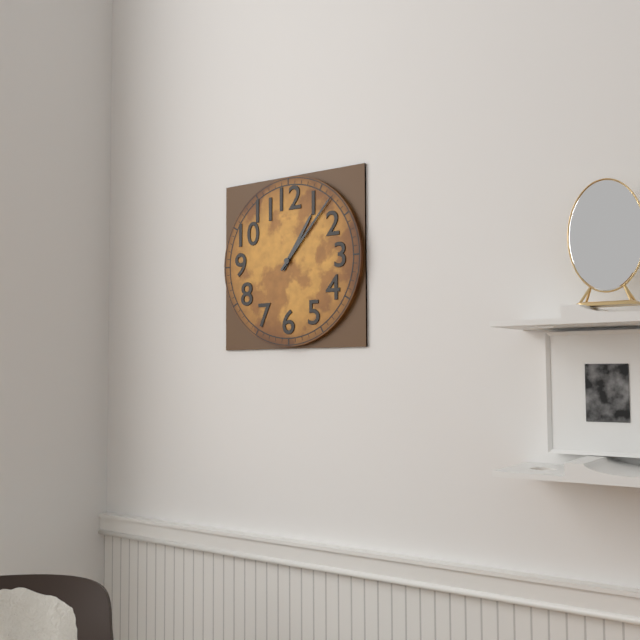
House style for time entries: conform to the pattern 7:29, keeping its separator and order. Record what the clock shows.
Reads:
1:07
